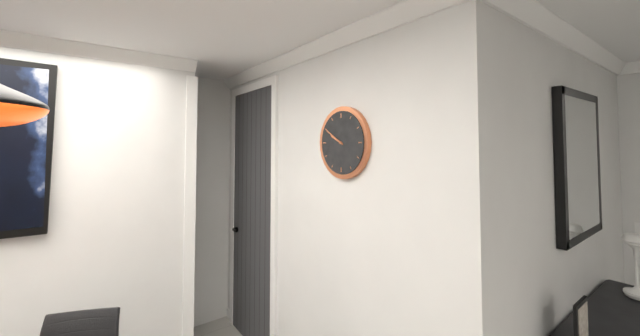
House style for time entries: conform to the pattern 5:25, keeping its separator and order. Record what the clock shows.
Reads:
9:50
